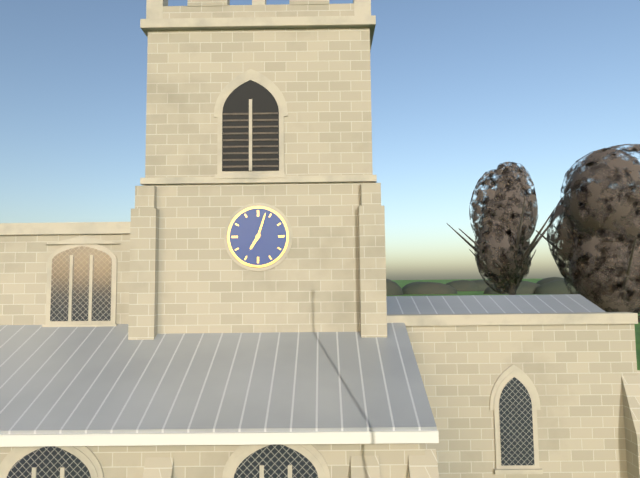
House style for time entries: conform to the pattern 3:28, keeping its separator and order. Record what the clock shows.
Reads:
7:03
